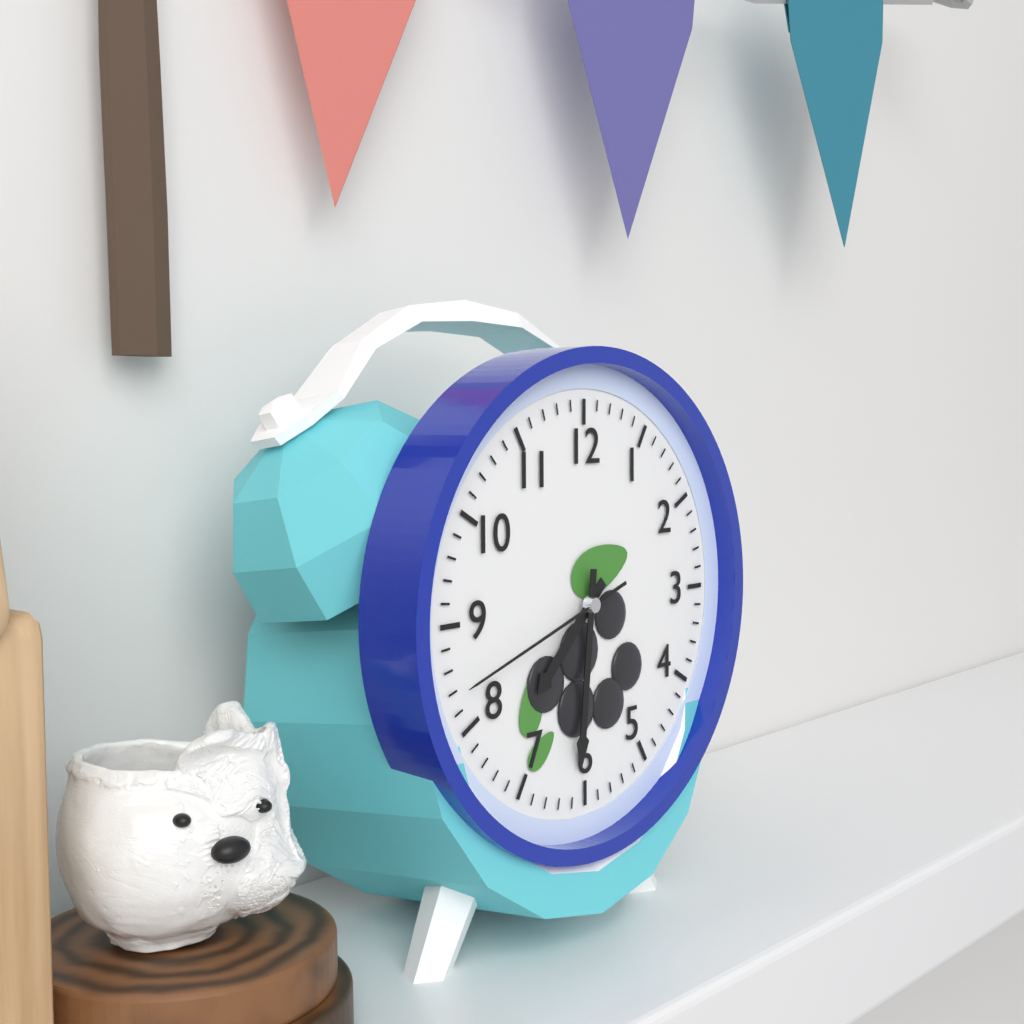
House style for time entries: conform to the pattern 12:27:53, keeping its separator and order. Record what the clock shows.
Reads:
7:31:42
